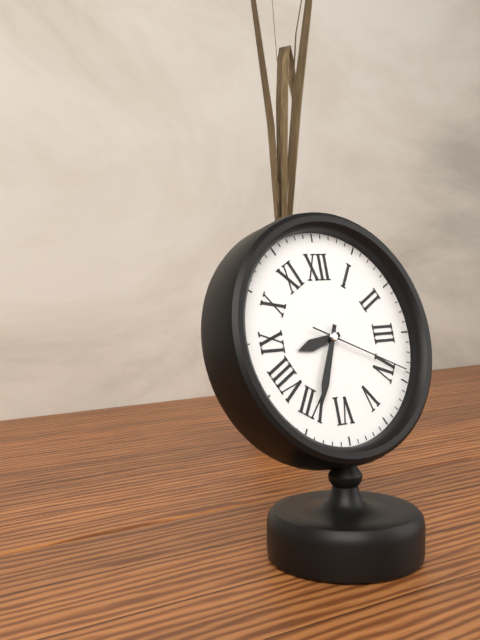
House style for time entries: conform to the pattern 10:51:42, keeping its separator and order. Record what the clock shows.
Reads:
8:34:19
